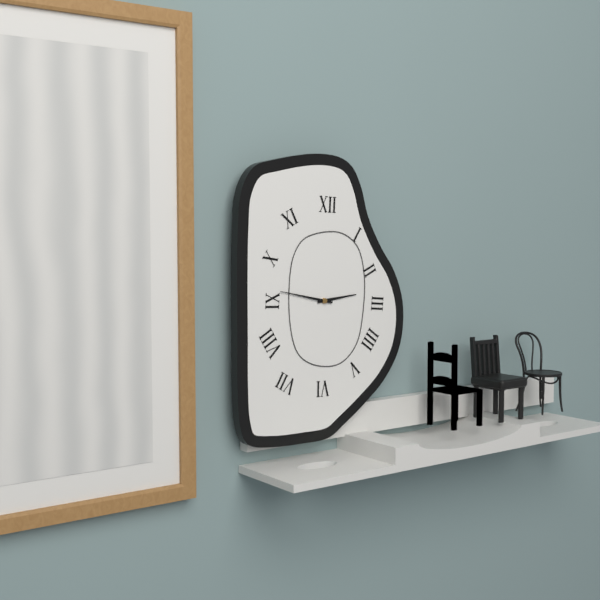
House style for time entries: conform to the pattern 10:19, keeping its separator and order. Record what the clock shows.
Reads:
2:47
